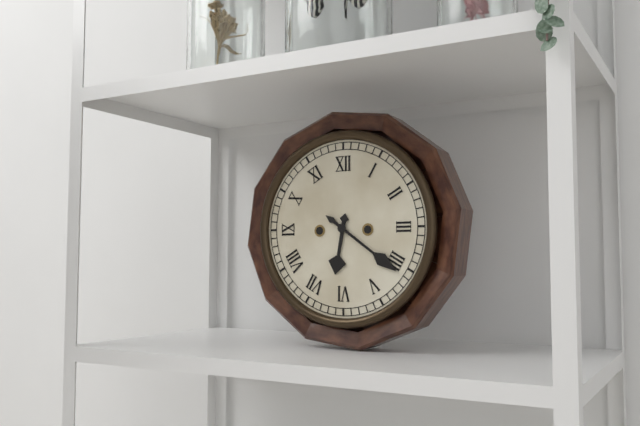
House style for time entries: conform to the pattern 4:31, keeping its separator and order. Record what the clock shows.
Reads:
6:21
